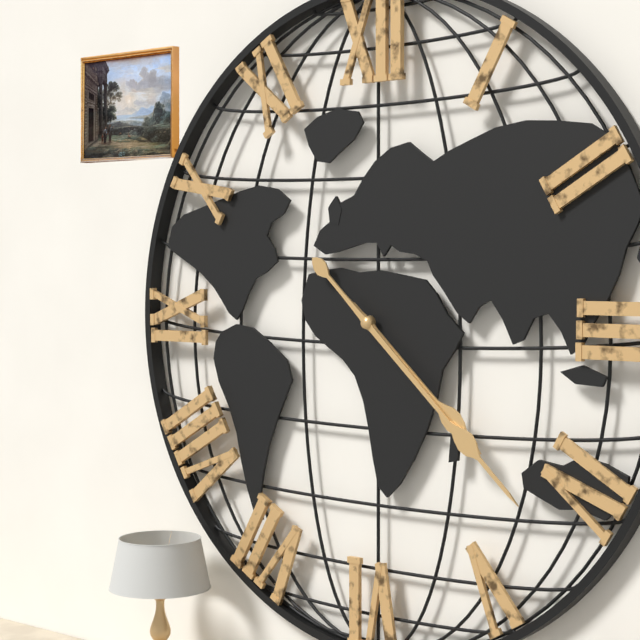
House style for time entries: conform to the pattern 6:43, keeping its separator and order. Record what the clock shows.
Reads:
4:22
